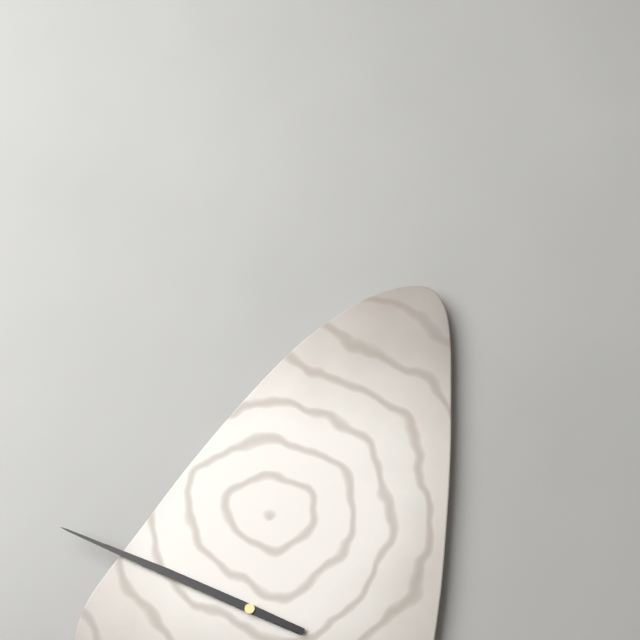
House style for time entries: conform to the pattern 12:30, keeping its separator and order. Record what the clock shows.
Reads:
9:49
